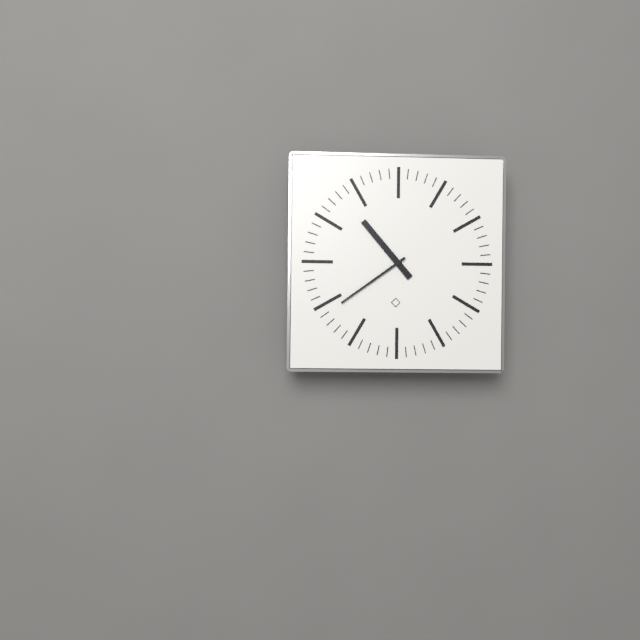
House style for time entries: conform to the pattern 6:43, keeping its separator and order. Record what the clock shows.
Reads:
10:39
